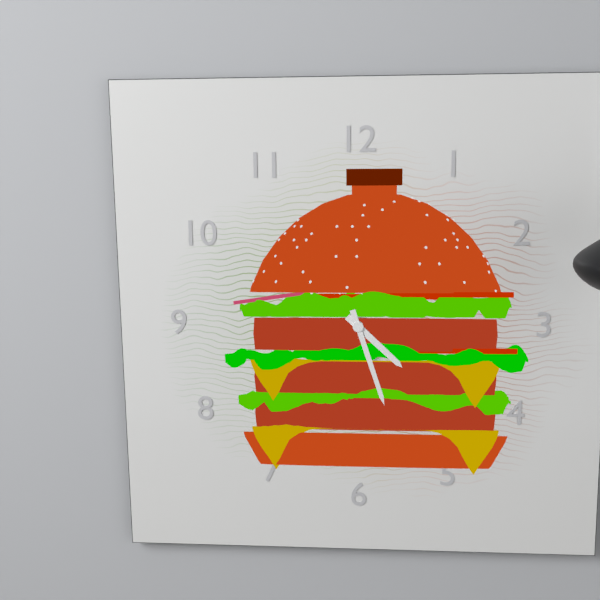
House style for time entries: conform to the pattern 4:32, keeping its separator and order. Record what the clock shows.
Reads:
4:27
